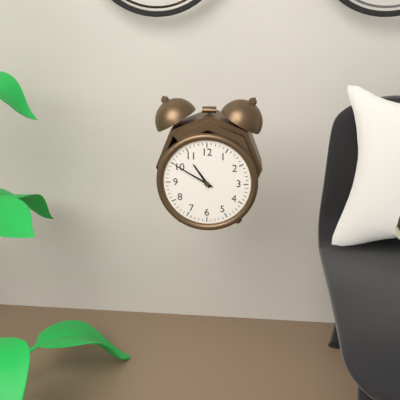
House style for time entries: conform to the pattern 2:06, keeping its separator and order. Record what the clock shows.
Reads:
10:50
